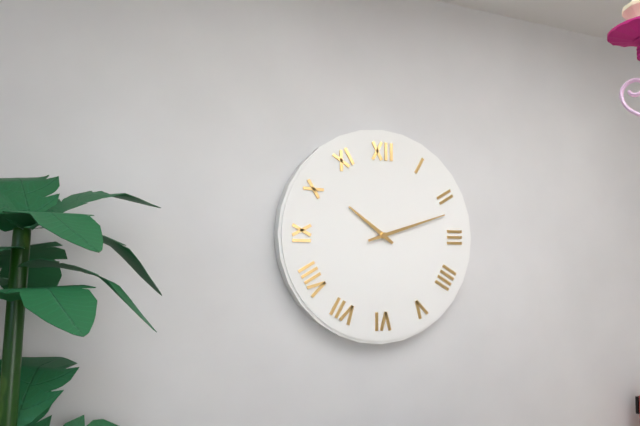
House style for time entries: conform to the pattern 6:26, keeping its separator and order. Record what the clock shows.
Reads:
10:12
